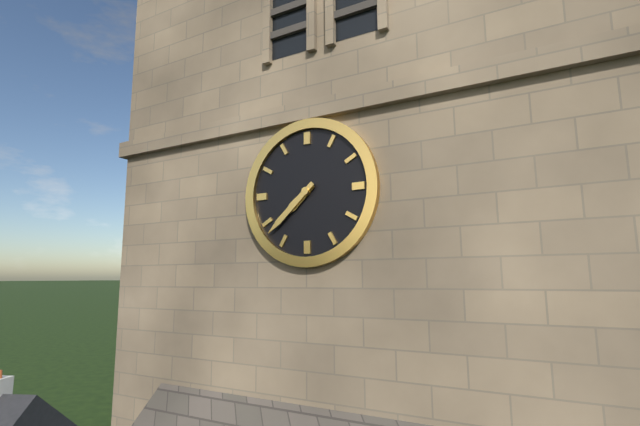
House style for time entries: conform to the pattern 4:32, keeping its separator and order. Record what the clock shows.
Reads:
7:38
